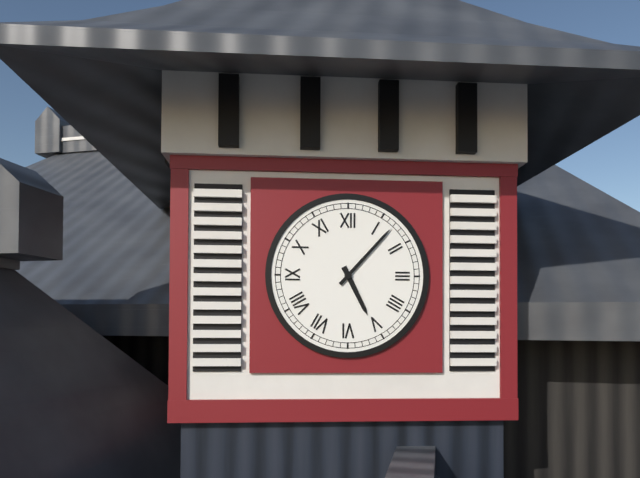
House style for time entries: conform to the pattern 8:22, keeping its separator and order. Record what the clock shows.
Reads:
5:07
